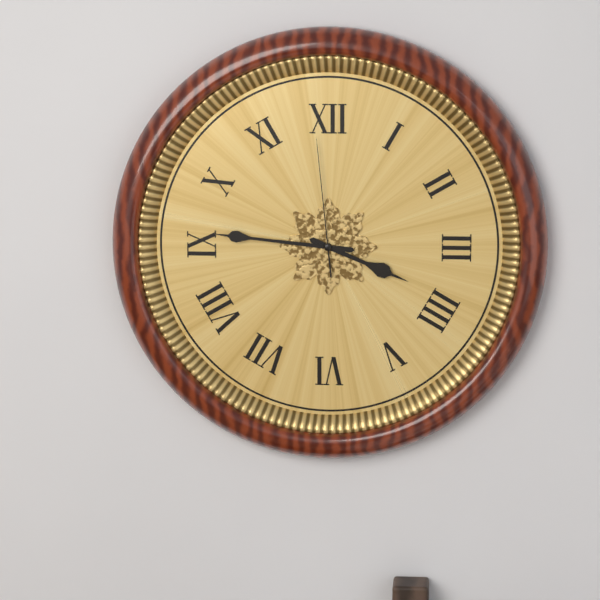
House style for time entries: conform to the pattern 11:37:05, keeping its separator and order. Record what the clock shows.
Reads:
3:46:59
